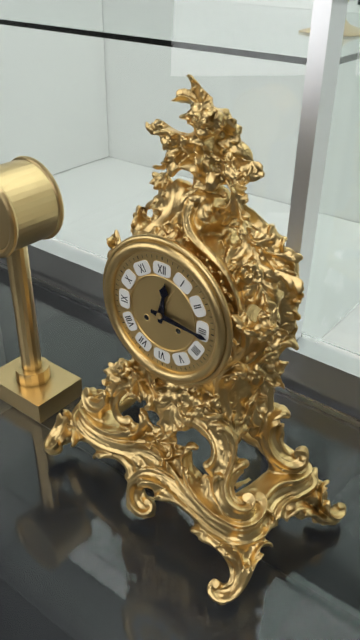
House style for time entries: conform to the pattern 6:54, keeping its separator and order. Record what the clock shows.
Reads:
12:16
